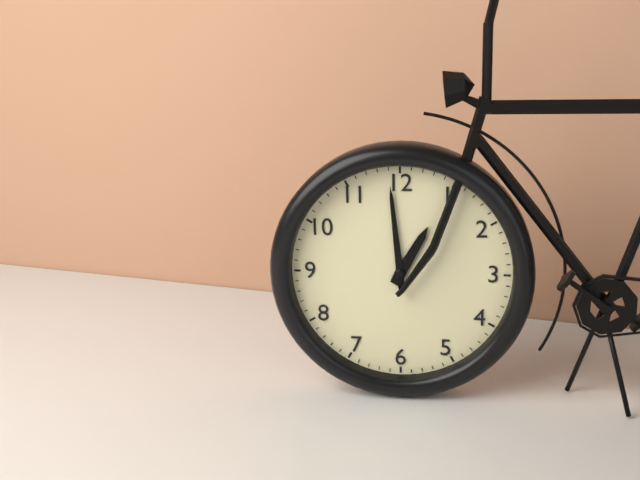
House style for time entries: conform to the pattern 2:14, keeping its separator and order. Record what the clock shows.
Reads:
12:59
